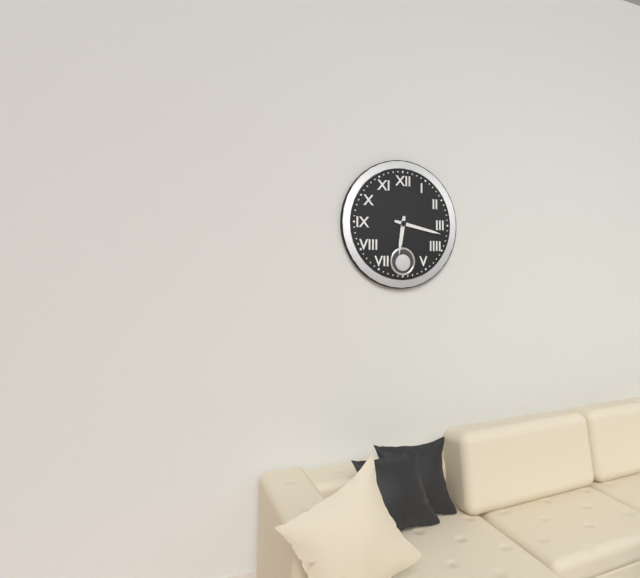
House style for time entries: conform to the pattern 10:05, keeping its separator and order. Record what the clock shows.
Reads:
6:17
